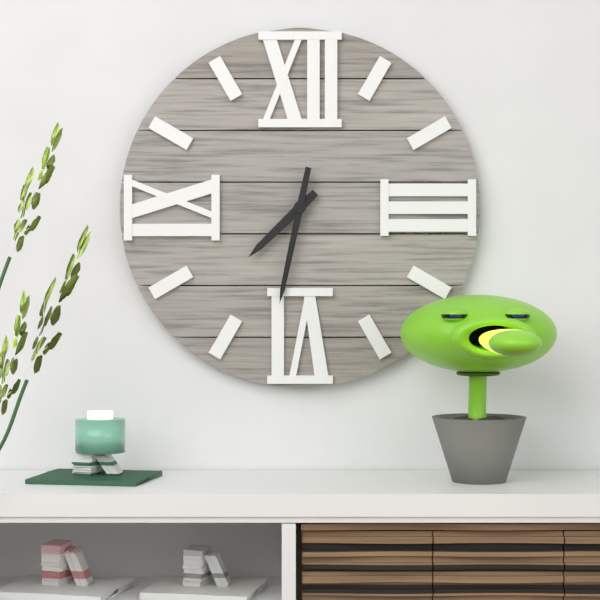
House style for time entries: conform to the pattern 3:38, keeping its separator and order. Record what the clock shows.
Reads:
7:32
